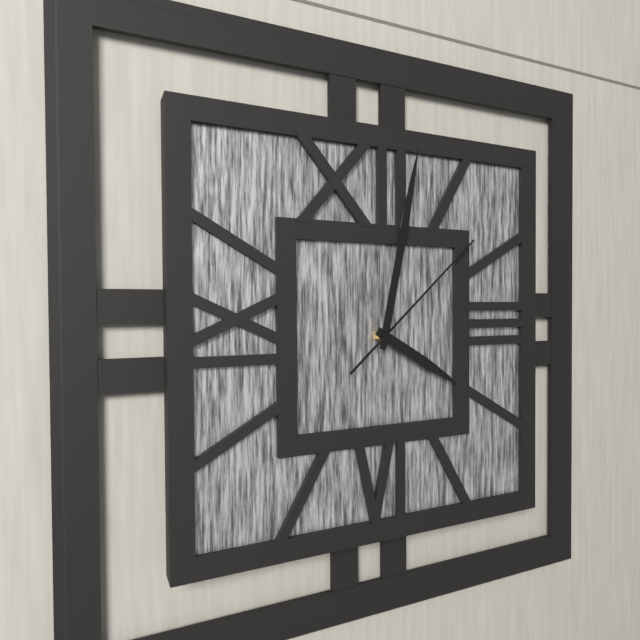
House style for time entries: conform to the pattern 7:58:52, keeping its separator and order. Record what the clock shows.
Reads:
4:02:08
